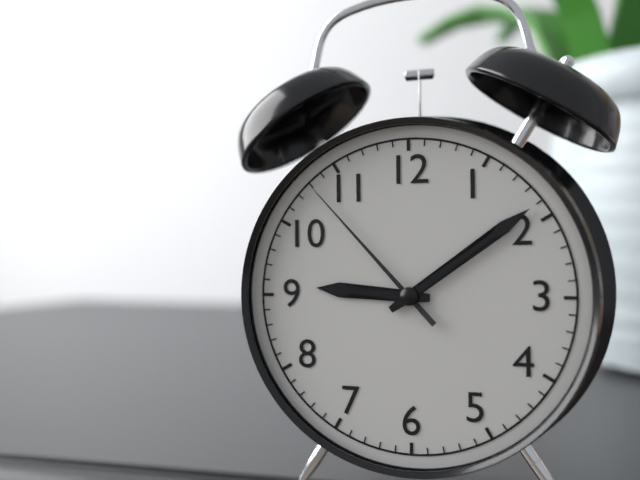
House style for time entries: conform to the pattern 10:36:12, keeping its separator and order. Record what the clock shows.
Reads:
9:09:53
